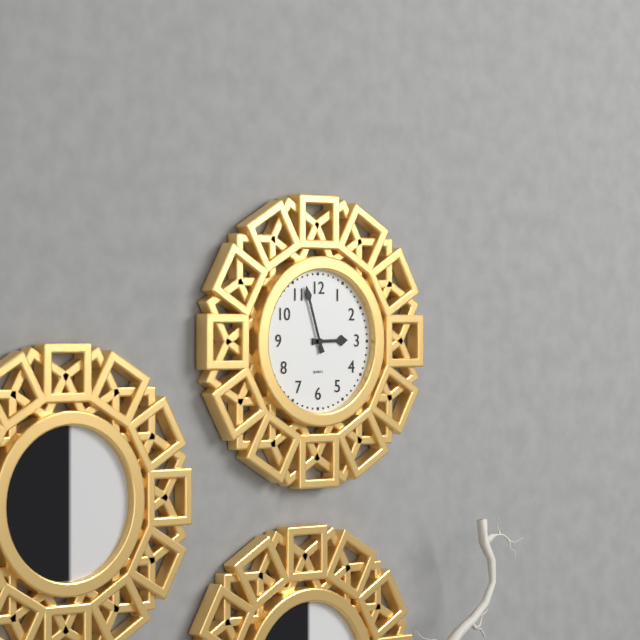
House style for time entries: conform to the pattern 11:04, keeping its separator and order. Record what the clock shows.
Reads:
2:57
